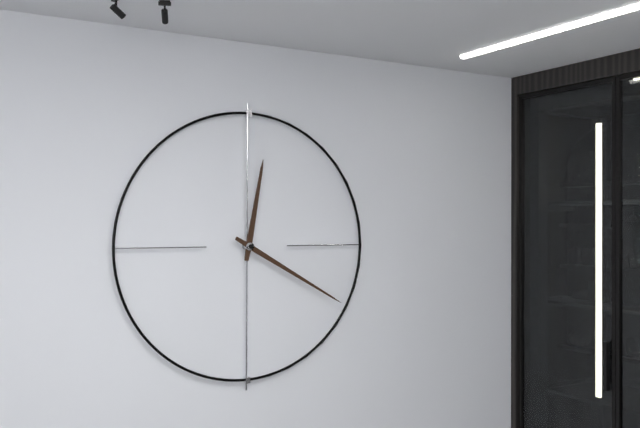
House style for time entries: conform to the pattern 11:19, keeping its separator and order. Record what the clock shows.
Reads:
12:20
